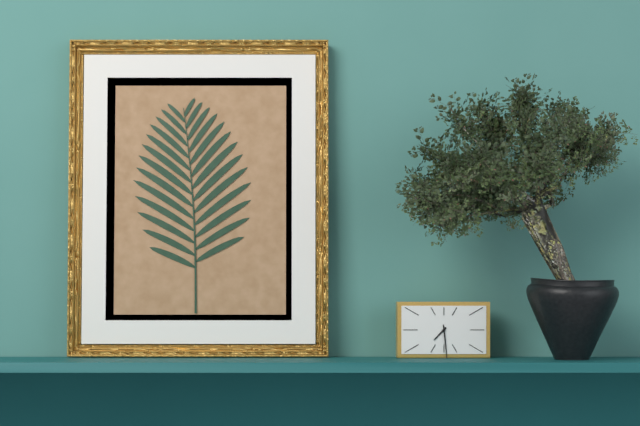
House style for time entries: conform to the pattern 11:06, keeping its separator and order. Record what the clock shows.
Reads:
7:29
